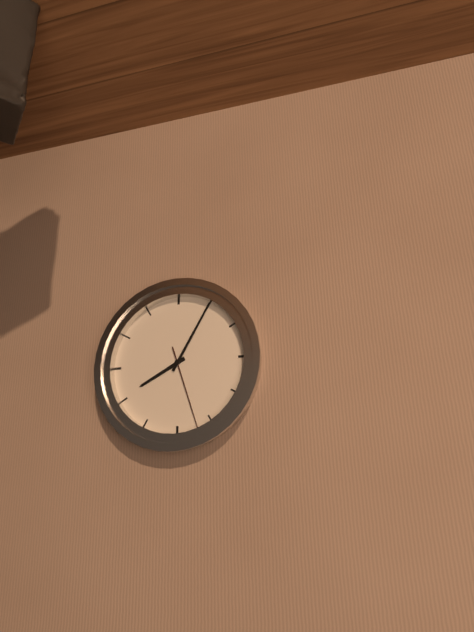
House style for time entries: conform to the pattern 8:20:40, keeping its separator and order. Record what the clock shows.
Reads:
8:05:27
